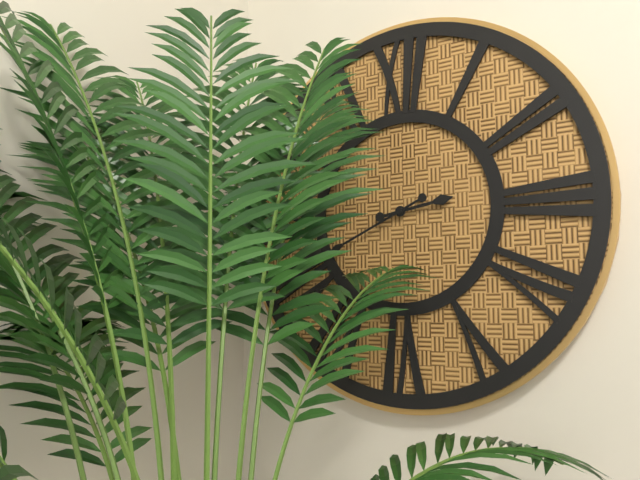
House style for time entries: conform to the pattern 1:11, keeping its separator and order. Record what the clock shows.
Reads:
2:41
